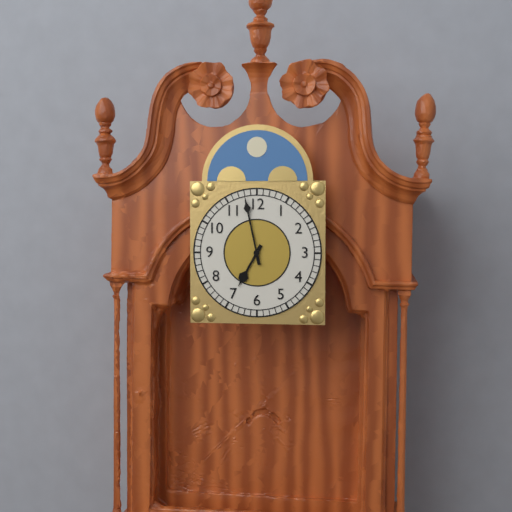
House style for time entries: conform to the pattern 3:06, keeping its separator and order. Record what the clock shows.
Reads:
6:58
